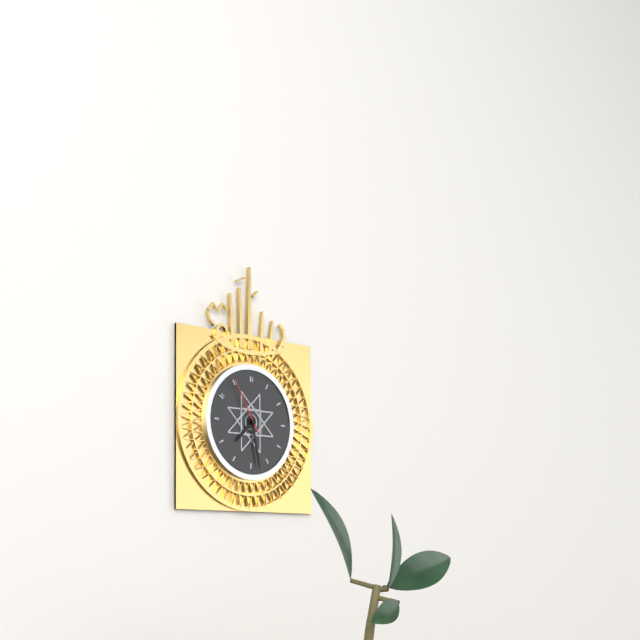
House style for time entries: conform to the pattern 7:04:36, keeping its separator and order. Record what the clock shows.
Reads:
7:28:55
